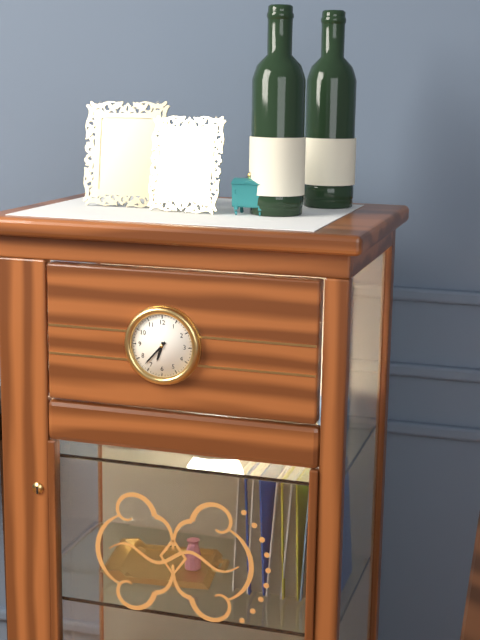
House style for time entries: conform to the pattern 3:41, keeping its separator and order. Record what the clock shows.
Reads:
6:37
